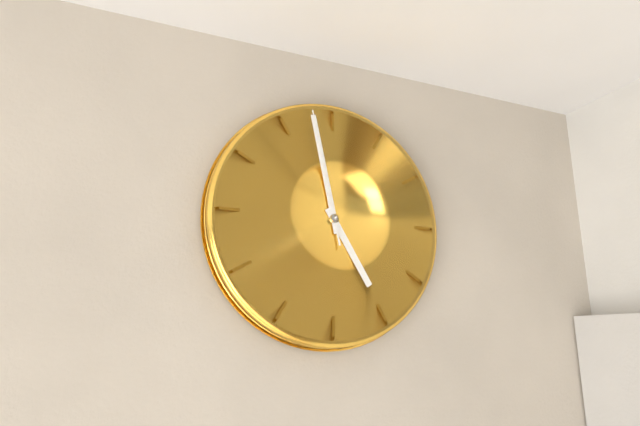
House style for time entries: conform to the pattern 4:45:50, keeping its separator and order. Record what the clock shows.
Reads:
4:58:58
